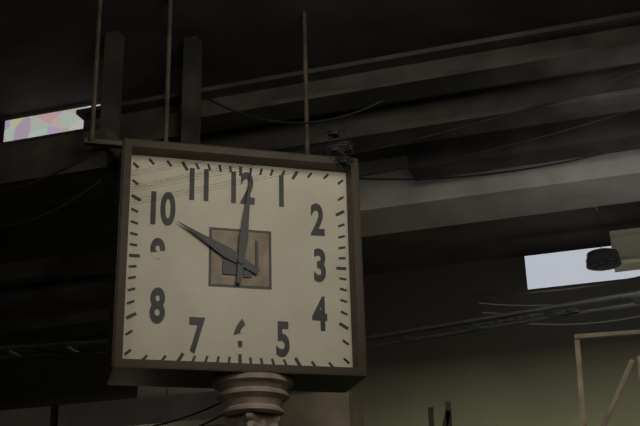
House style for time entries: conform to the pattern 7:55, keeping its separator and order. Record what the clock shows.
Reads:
10:01
